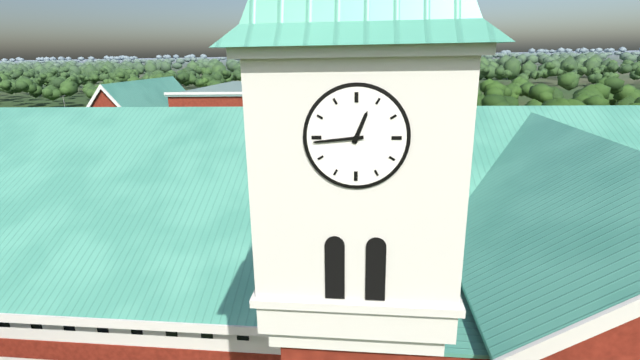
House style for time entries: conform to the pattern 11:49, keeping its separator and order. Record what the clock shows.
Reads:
12:44
